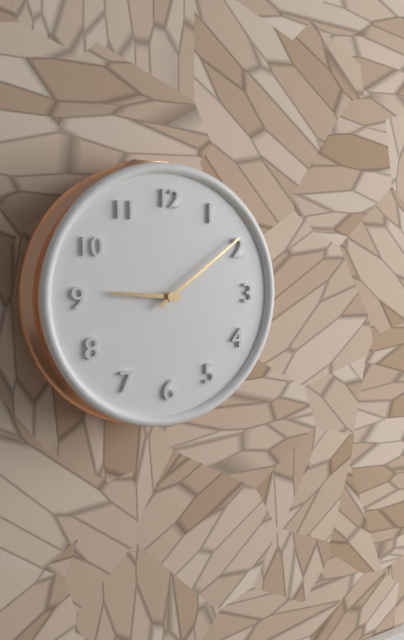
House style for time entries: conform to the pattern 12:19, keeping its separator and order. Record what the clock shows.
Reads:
9:09
